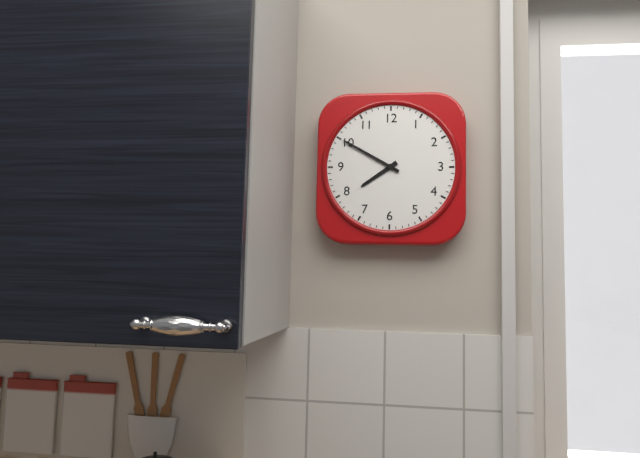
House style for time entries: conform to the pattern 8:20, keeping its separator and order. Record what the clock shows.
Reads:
7:50
